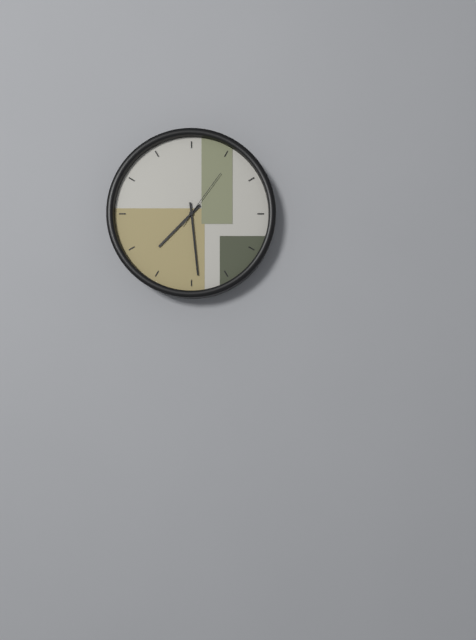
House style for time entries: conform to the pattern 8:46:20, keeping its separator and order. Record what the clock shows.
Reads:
7:29:06
